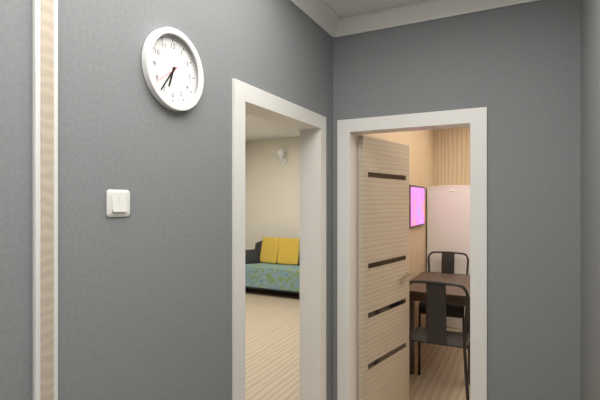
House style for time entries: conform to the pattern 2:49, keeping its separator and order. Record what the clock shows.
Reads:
6:36
